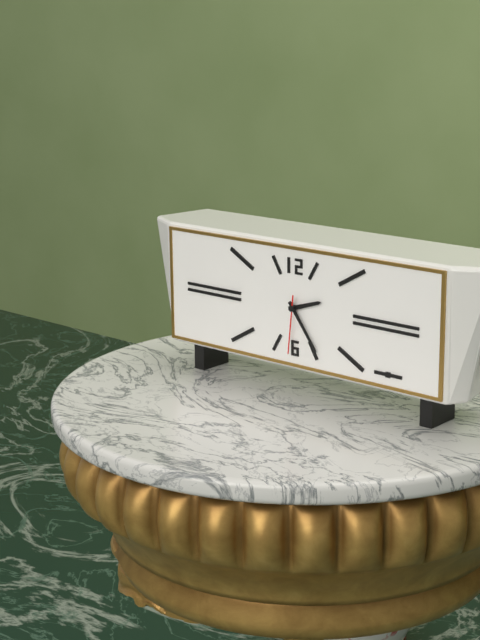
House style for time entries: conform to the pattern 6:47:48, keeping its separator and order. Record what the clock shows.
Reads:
2:24:31
